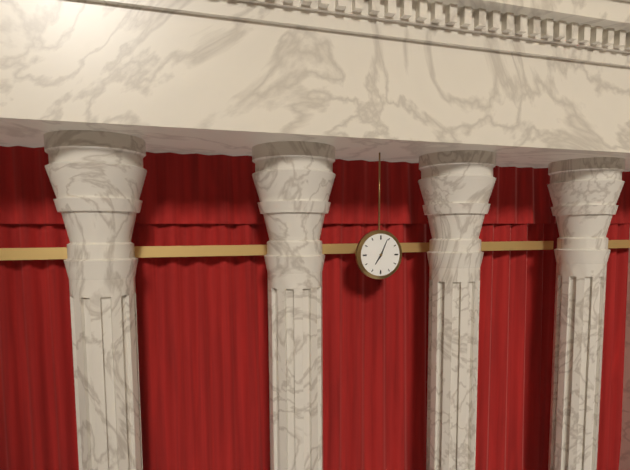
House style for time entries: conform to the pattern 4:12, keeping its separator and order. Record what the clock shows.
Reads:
7:04
